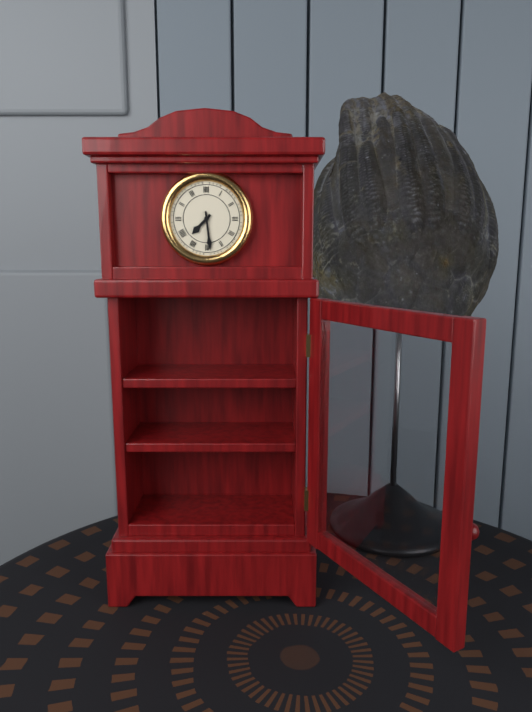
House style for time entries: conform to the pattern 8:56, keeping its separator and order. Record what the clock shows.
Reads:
7:29
